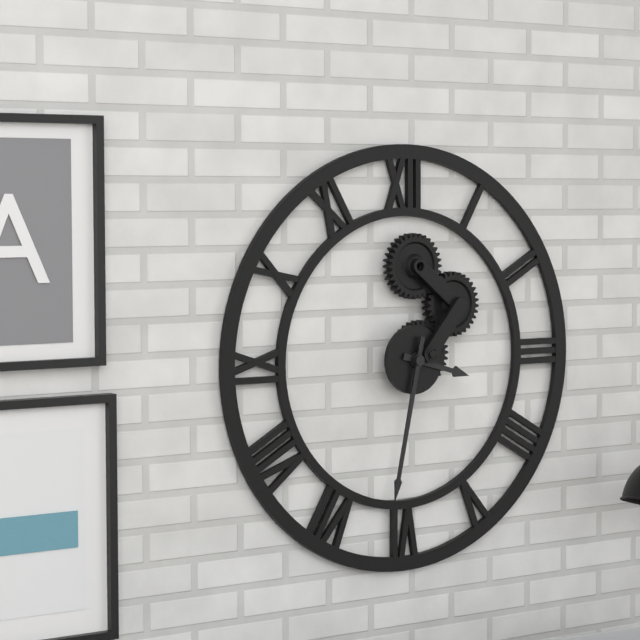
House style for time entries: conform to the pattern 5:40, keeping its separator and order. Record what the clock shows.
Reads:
3:32
